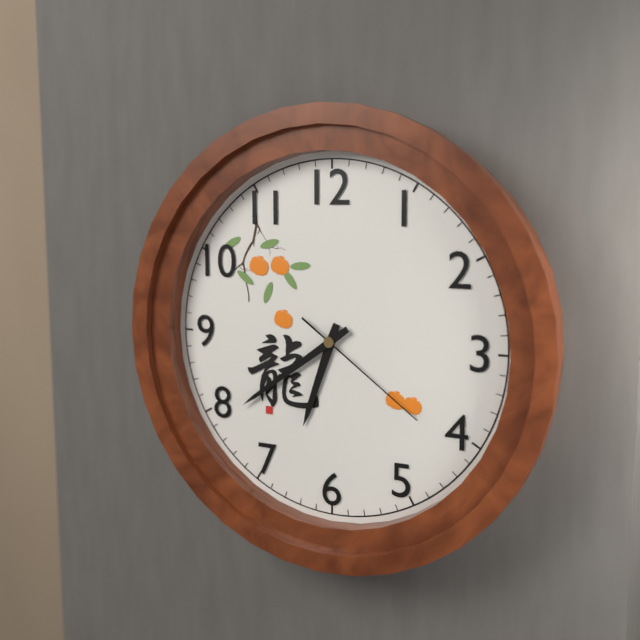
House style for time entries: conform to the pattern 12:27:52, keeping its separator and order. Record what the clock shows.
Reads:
6:39:21
